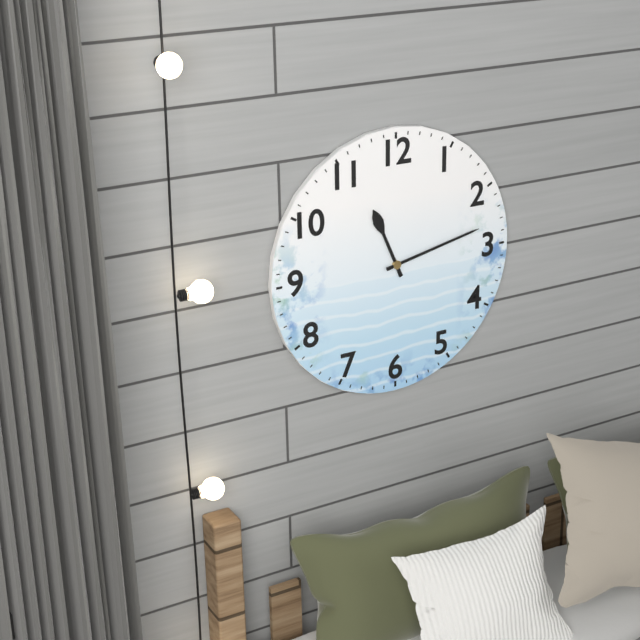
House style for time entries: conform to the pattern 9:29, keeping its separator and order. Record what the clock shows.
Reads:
11:13
